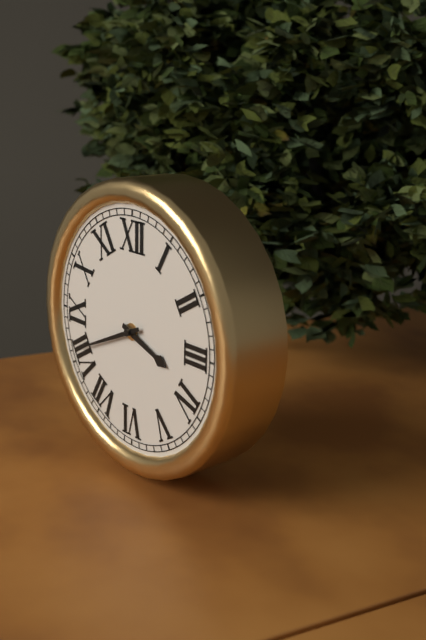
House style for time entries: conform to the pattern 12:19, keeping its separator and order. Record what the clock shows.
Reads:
3:41
